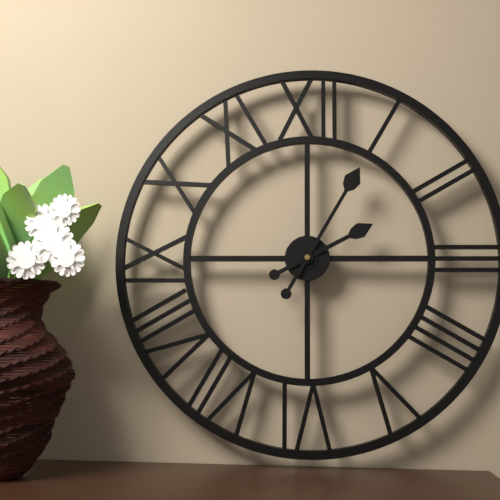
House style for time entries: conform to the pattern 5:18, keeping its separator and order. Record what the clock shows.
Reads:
2:05
